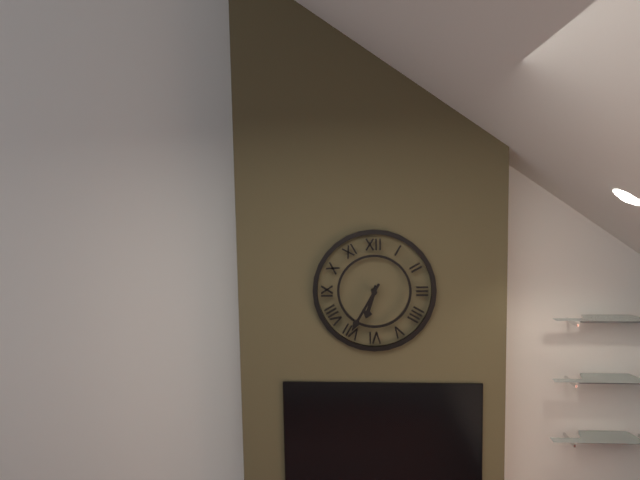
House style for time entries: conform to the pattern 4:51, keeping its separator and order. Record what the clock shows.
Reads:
6:35
